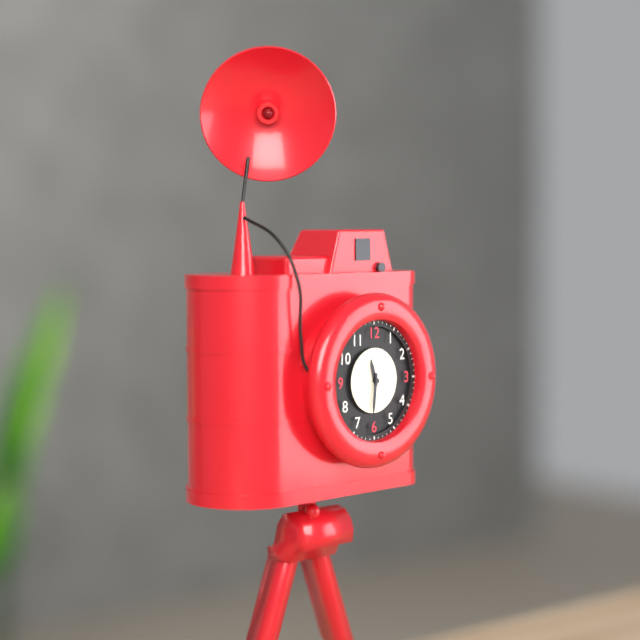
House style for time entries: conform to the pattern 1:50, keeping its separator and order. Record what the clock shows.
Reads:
11:31
